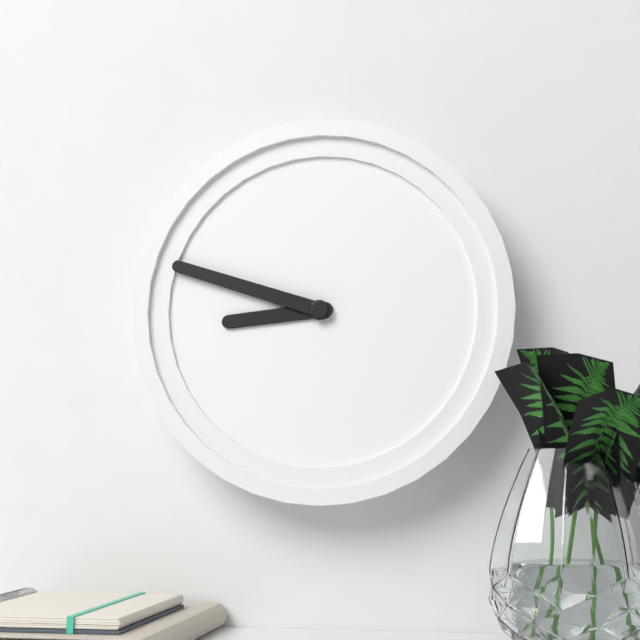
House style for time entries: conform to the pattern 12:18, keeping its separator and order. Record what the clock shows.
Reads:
8:48
